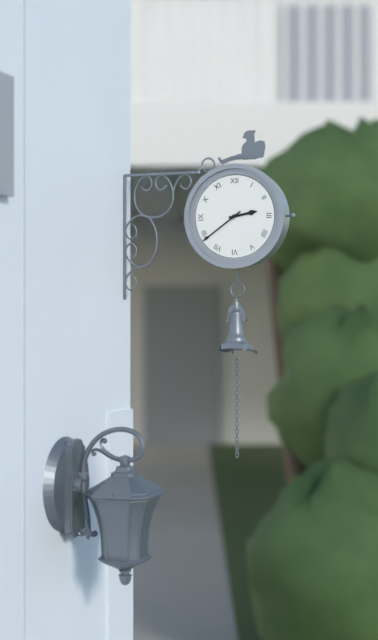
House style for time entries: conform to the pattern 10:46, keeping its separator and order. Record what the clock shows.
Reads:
2:39
